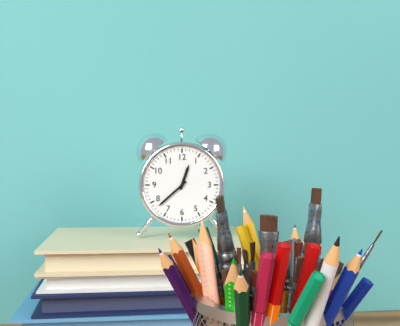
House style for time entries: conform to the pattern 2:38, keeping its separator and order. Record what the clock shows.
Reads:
12:38
